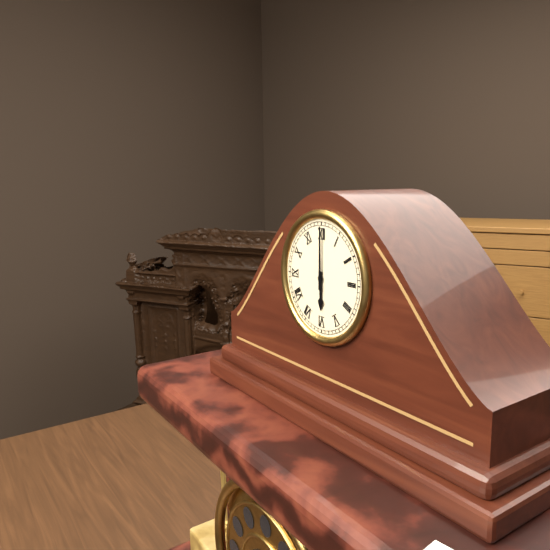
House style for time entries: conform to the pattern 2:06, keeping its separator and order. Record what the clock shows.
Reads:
6:00
